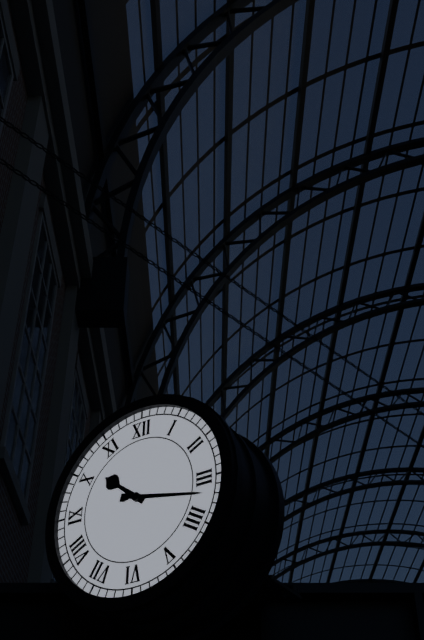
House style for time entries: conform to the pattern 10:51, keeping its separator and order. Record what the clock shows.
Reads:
10:17
